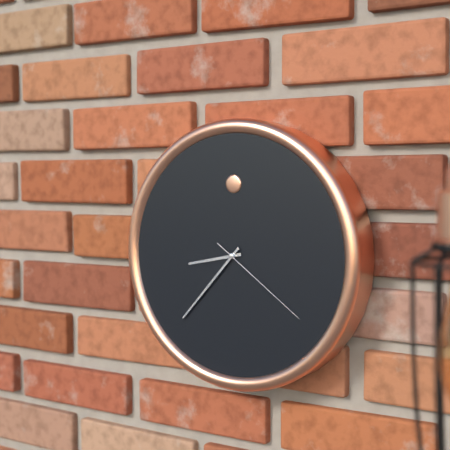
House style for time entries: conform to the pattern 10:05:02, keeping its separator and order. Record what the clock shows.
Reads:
8:37:21
